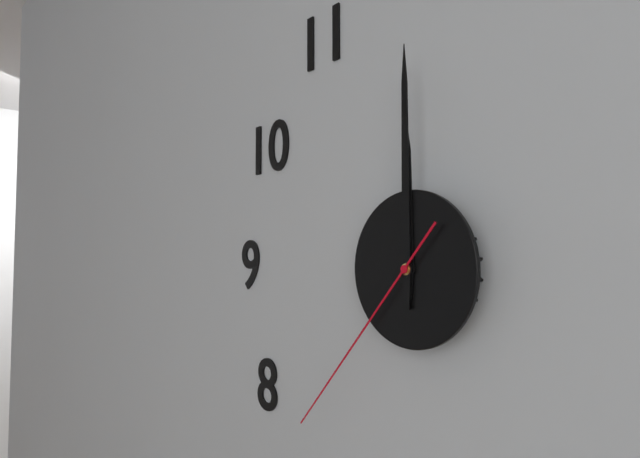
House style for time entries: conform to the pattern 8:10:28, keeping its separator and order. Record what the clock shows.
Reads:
12:00:37
